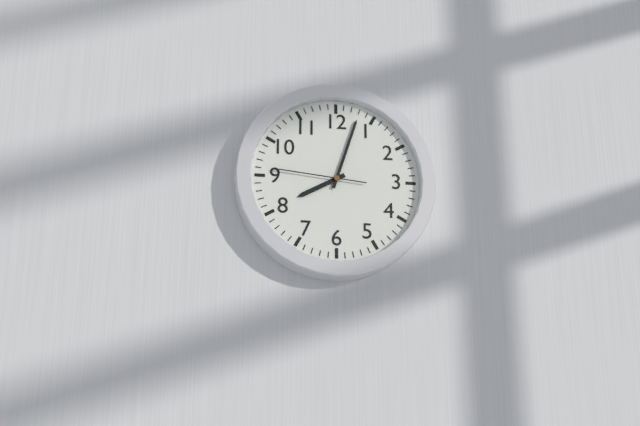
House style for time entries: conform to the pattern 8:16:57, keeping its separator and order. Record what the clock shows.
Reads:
8:03:46
